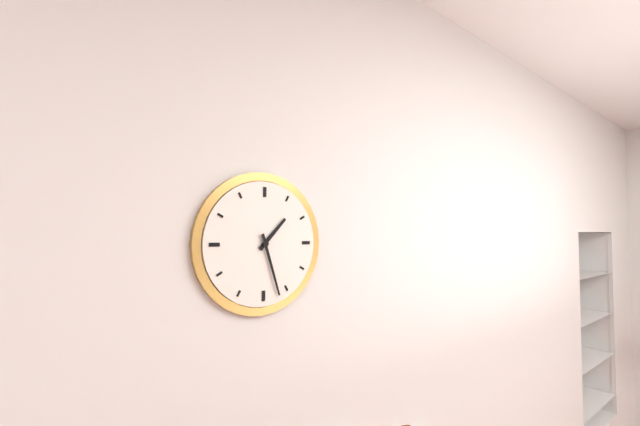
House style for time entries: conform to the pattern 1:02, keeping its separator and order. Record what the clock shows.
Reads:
1:27
